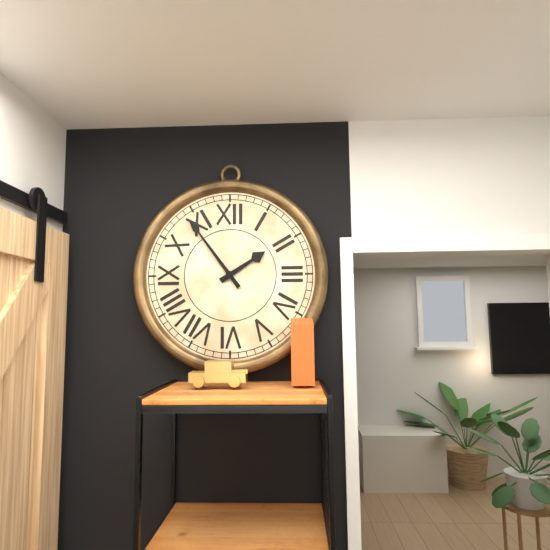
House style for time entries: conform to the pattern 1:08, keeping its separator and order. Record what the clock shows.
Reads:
1:54
